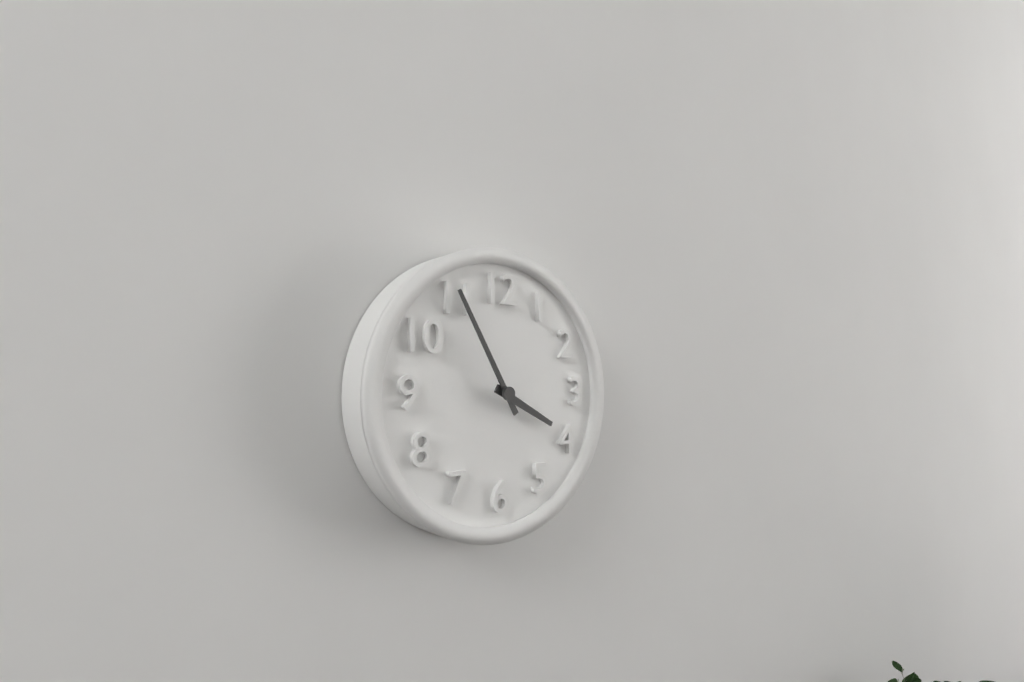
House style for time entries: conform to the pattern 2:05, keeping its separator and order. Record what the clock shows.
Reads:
3:55
